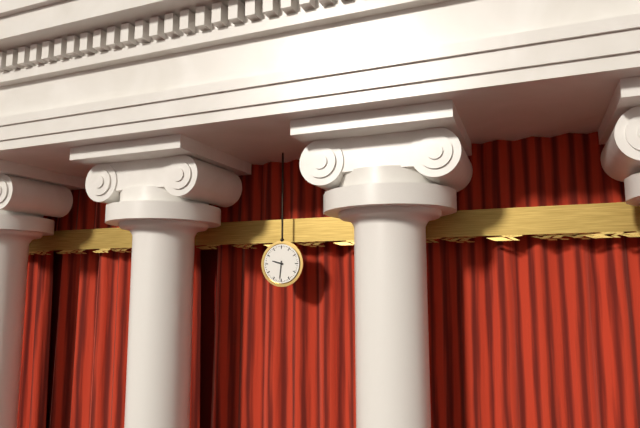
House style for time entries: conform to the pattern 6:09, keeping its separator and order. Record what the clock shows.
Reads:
9:31
